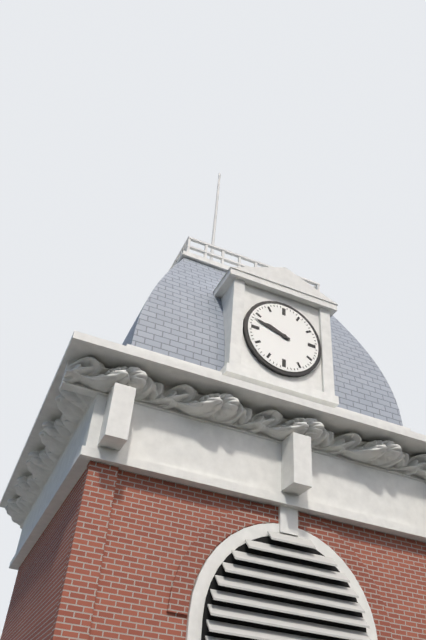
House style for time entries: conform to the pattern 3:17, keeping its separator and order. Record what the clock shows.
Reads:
9:48
